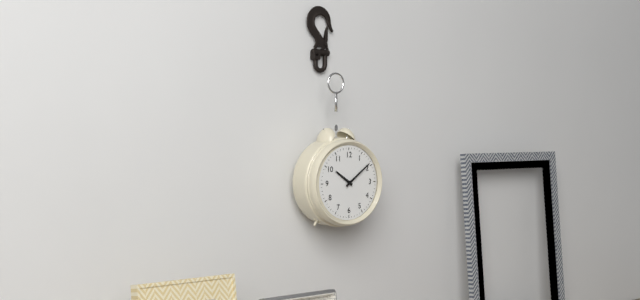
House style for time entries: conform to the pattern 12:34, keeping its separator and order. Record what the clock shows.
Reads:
10:09
